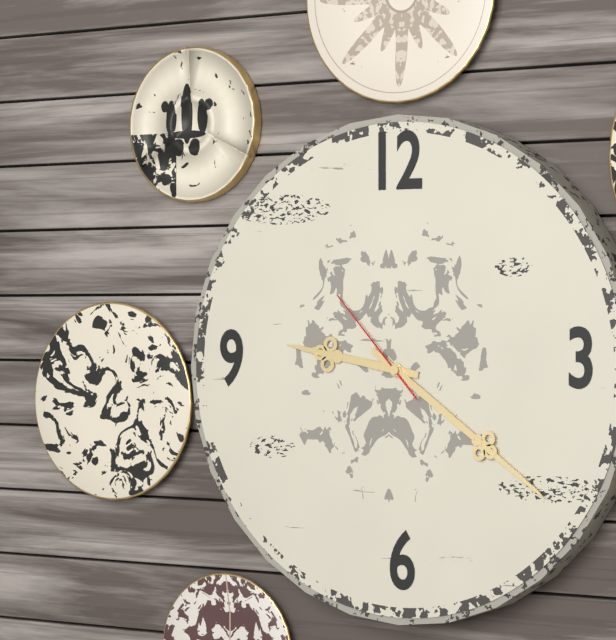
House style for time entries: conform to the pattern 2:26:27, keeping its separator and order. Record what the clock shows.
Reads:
9:21:53
